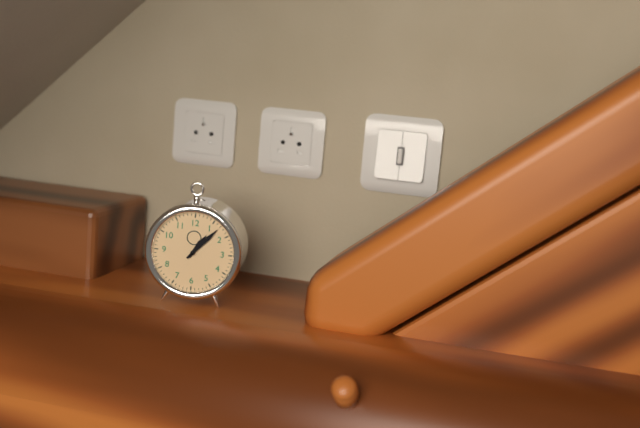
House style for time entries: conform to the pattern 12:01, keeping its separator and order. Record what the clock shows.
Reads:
1:07
